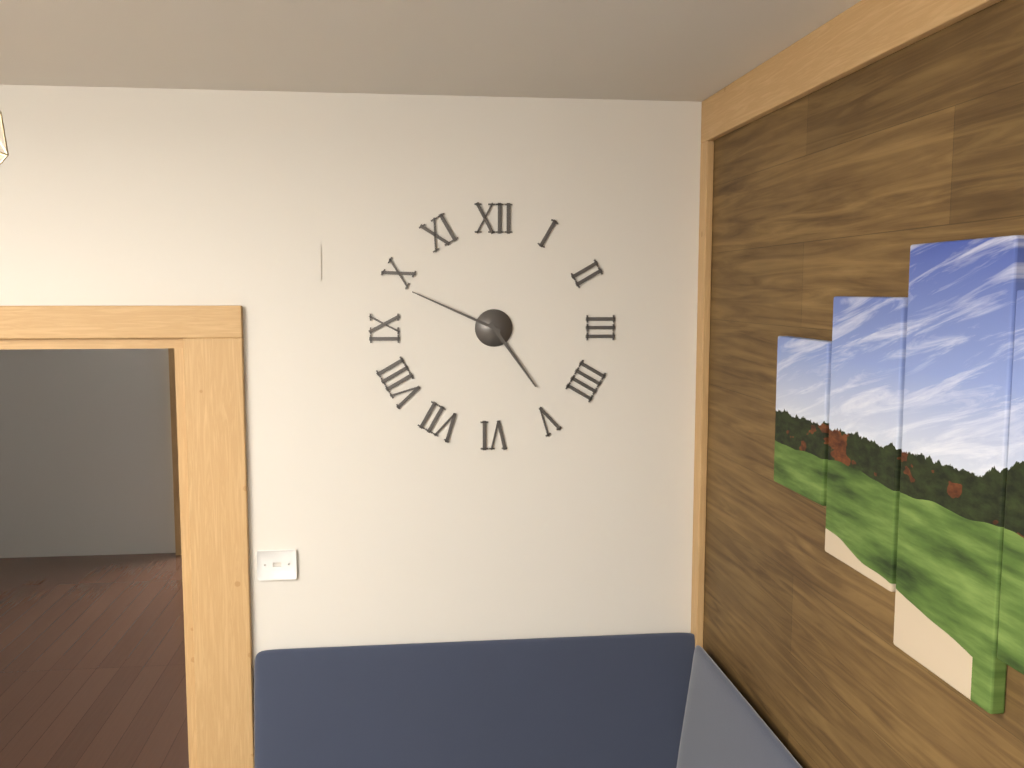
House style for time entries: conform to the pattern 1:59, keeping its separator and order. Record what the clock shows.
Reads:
4:49
